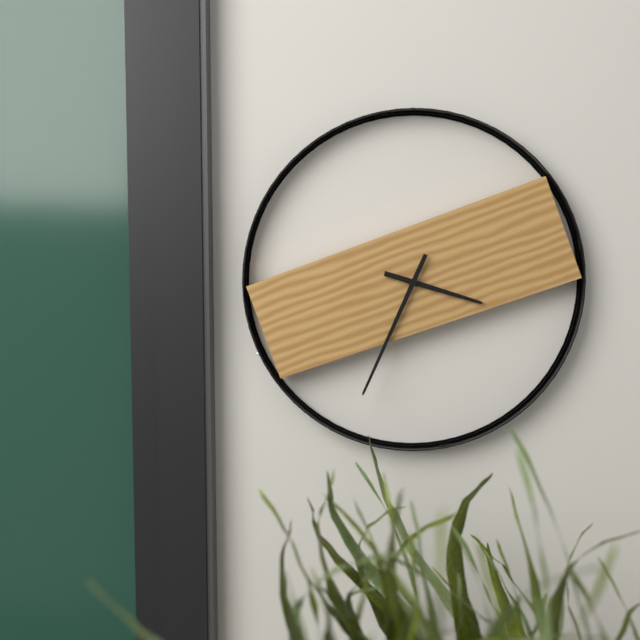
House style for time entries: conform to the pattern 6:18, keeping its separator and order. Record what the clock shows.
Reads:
3:34
